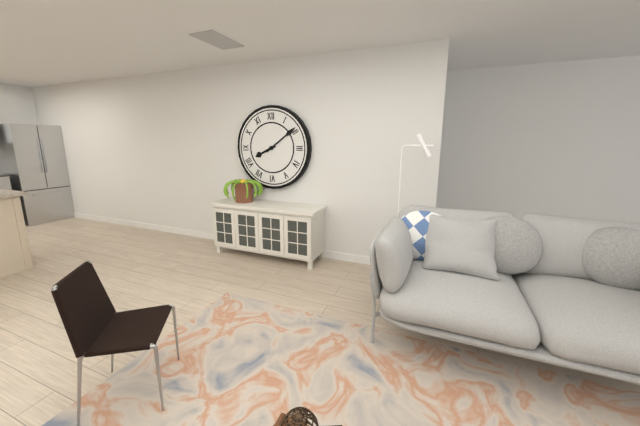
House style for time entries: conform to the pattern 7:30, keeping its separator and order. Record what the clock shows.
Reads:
8:09
